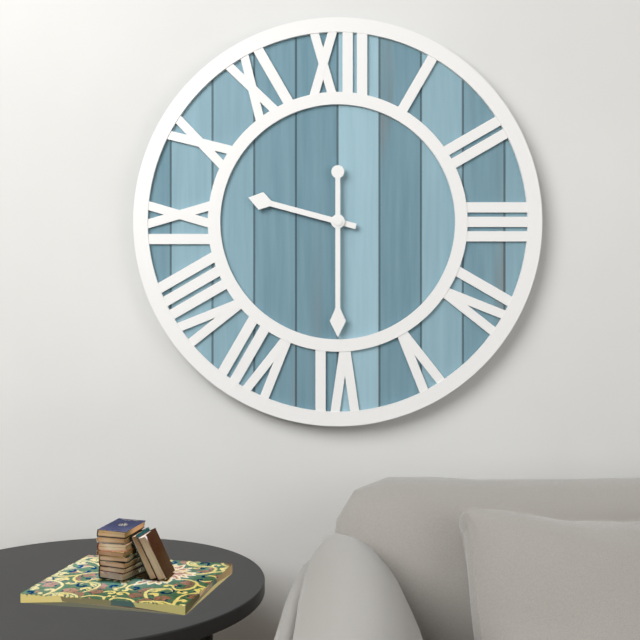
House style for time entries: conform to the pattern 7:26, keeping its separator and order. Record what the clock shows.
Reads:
9:30
